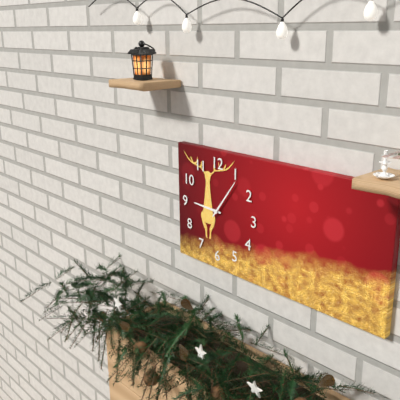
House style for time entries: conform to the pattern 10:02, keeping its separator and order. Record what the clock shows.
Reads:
9:06
